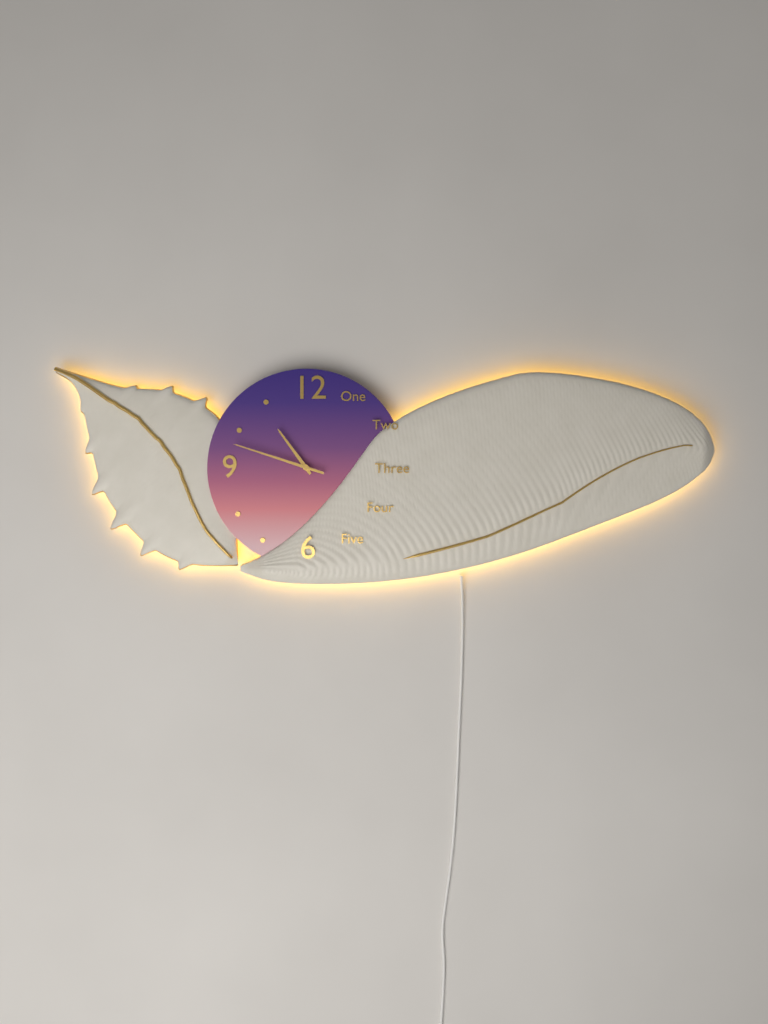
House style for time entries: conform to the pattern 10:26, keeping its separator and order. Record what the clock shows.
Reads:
10:48
